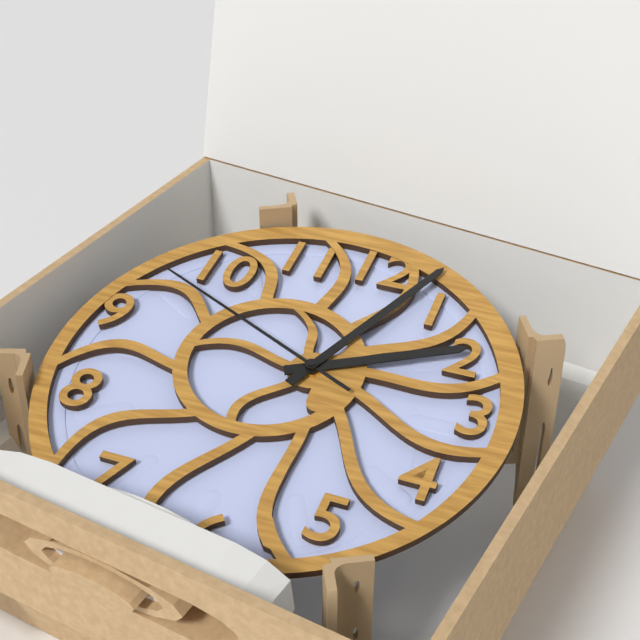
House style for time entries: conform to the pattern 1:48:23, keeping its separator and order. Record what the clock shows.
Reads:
2:04:49
